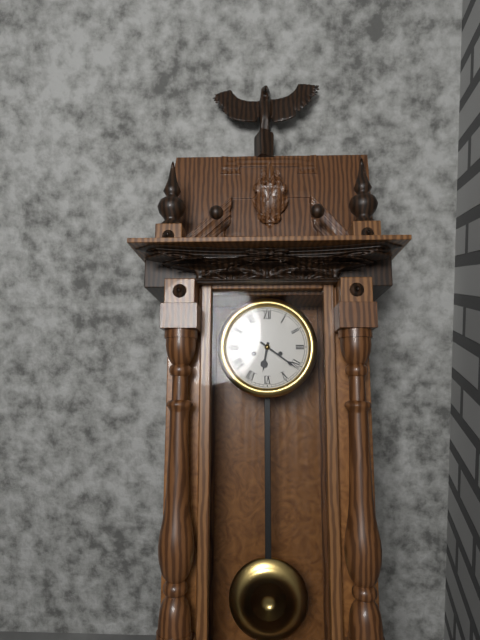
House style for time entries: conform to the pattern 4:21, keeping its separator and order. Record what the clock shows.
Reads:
6:21
